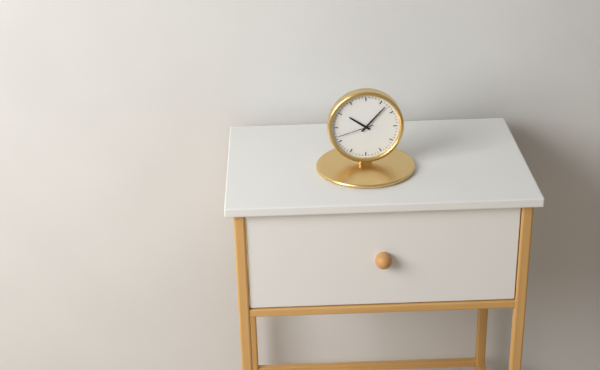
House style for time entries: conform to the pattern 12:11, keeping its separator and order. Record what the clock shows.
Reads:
10:07
